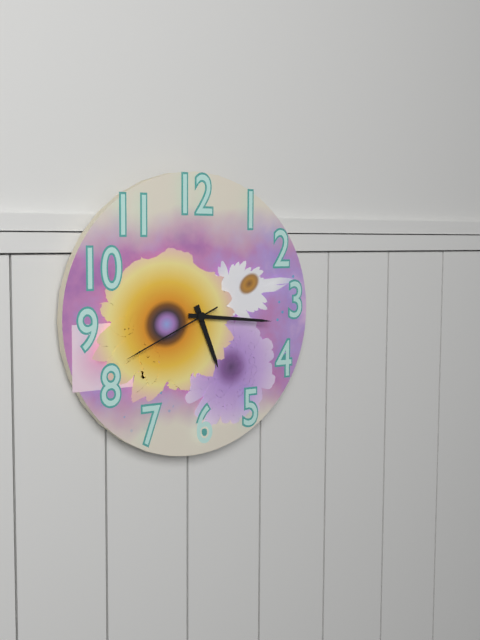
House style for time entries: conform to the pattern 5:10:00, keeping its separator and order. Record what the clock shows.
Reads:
5:16:41
